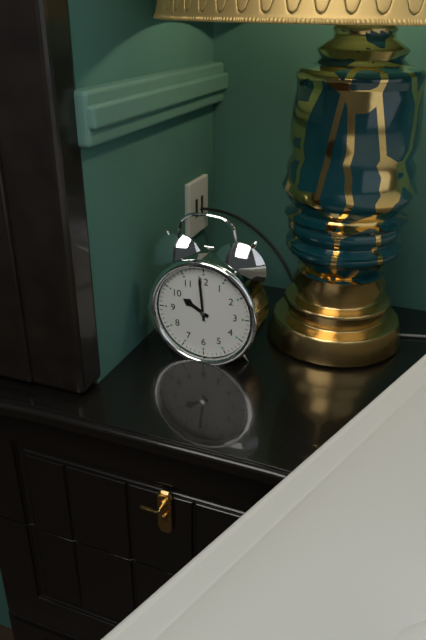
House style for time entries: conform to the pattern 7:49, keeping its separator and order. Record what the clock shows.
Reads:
9:59
